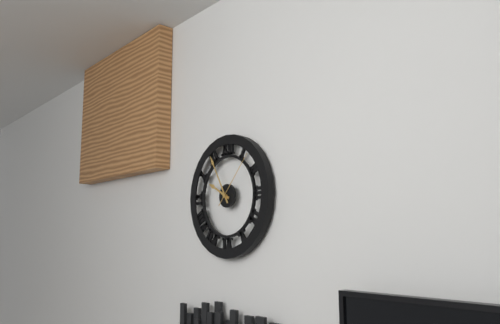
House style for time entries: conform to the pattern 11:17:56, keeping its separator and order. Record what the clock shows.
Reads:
9:55:07
